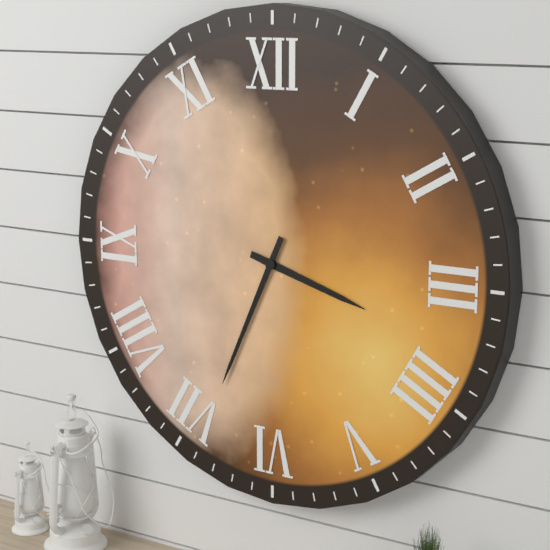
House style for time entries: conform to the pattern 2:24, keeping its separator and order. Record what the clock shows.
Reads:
3:34
